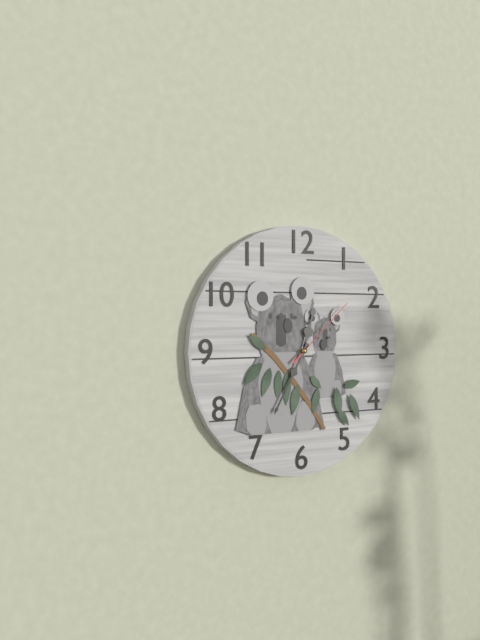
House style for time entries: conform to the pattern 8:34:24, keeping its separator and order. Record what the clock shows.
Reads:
12:35:08
